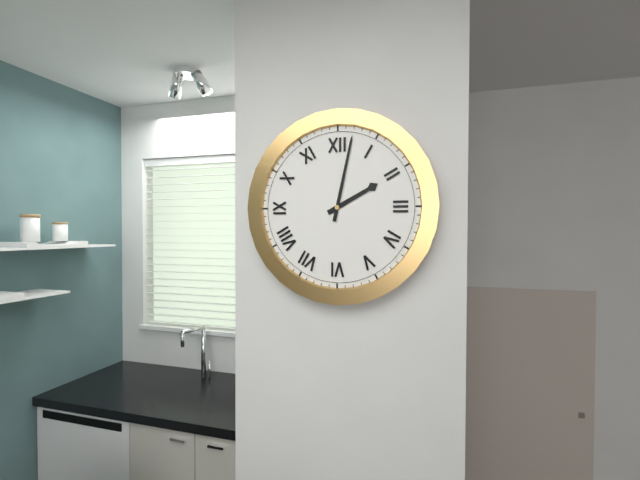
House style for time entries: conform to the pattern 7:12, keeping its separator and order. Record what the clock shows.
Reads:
2:02
